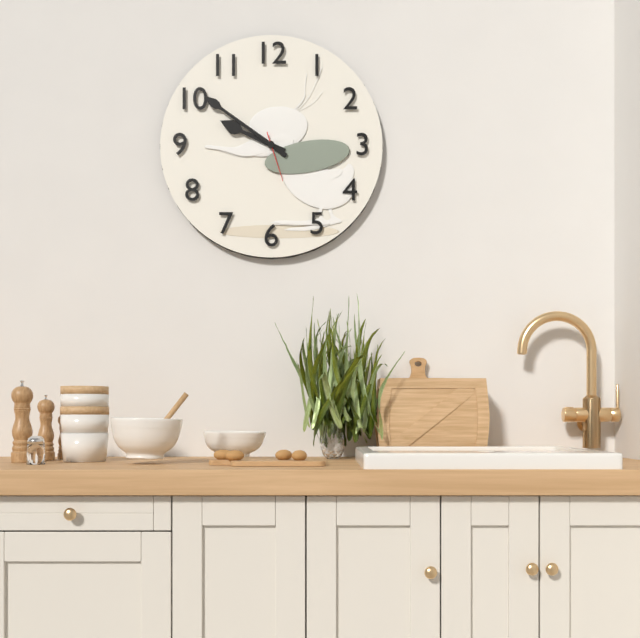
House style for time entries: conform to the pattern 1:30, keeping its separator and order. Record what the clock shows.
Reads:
9:51
